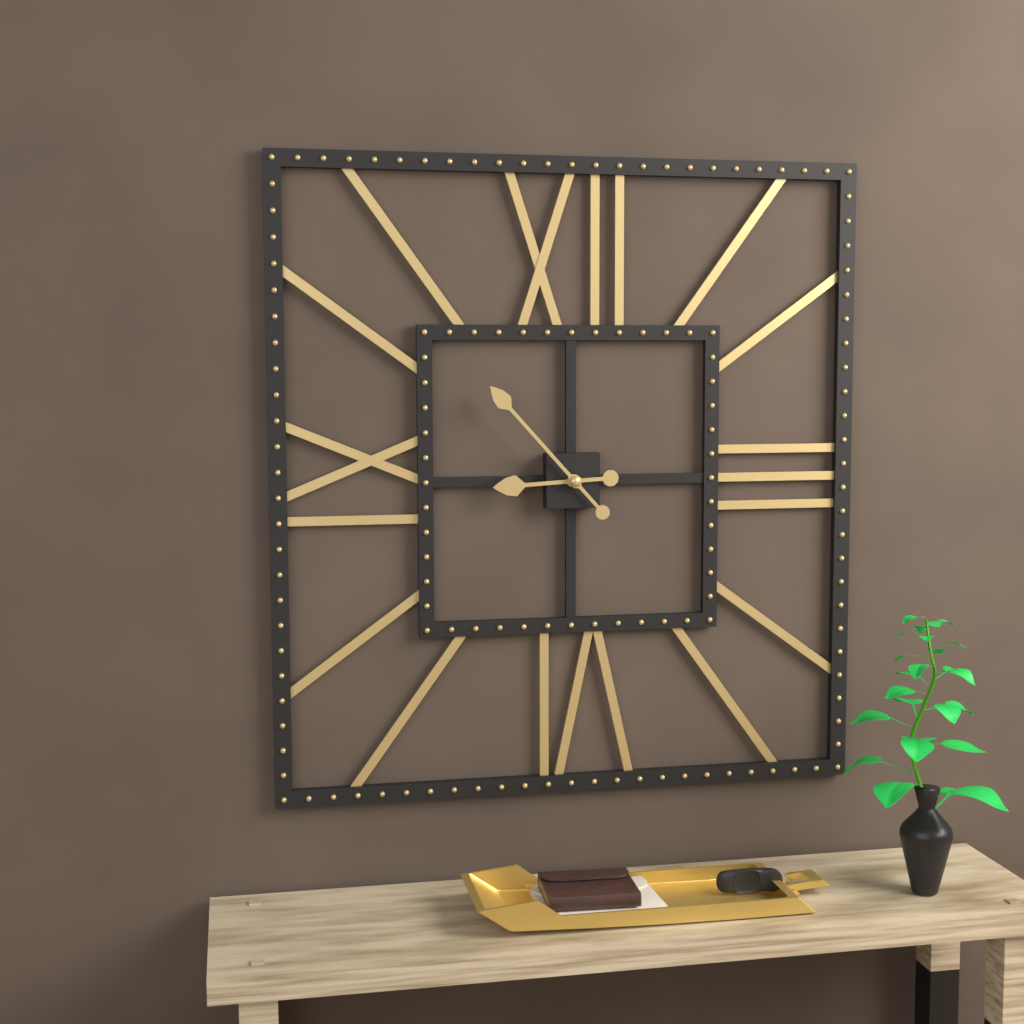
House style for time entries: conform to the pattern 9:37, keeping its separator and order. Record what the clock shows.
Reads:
8:53
